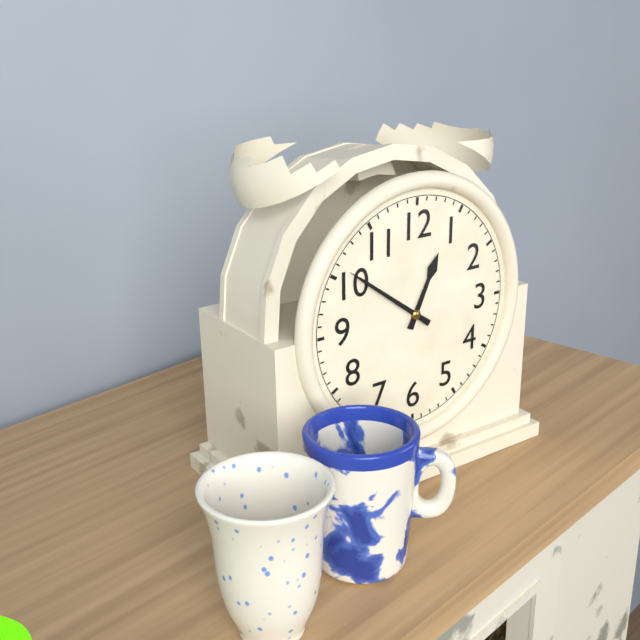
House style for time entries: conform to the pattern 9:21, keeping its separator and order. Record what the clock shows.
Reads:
12:51
